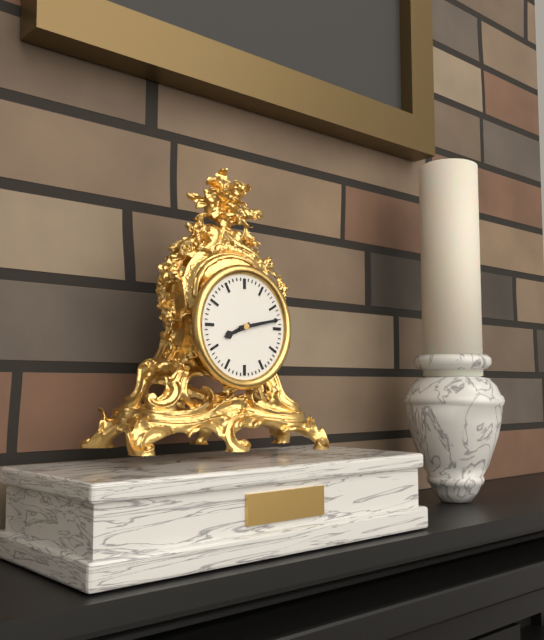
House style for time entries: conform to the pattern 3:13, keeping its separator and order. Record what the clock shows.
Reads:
8:13
